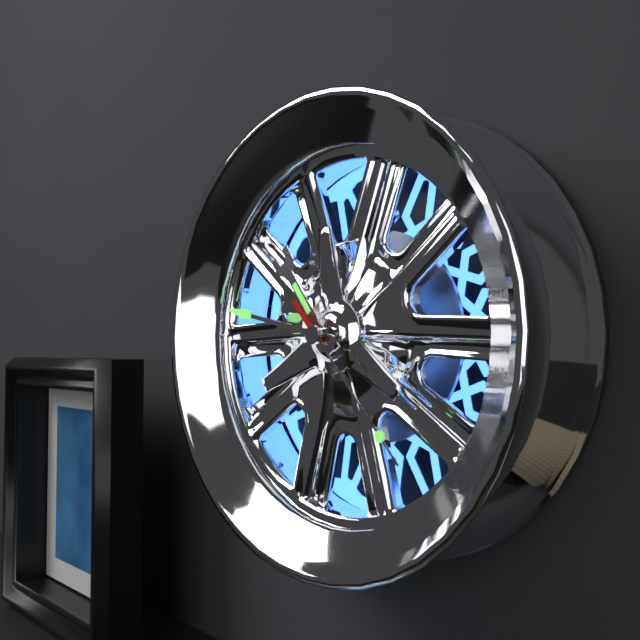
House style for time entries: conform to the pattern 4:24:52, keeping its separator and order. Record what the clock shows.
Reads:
10:47:23
